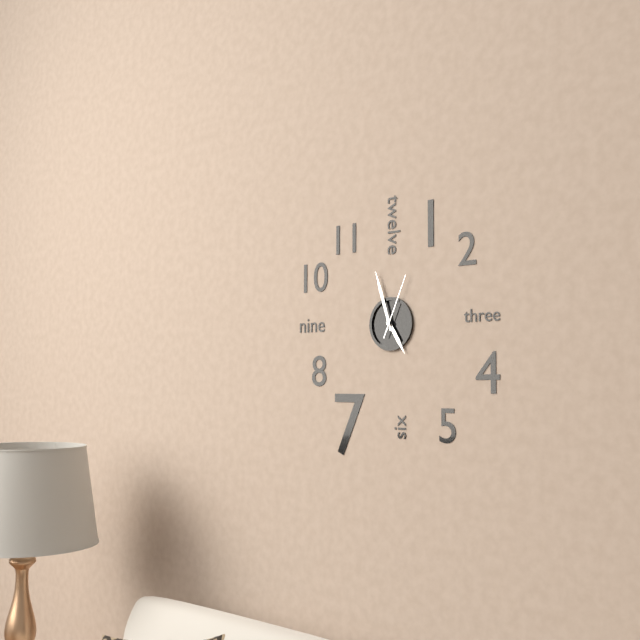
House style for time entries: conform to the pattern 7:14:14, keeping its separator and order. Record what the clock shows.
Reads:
4:57:04
